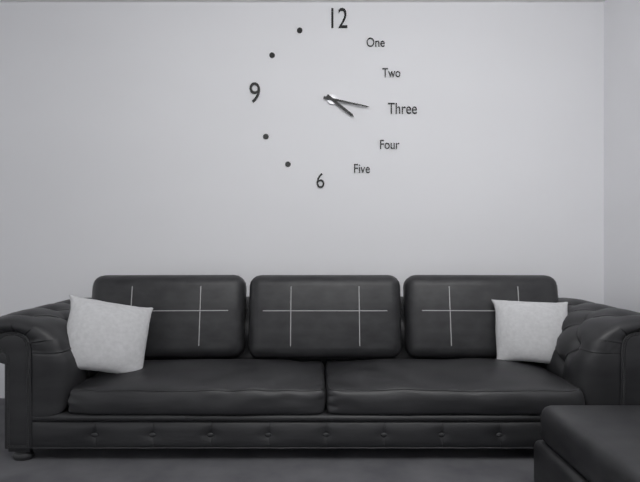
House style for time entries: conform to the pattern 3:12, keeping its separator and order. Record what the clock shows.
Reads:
4:17
